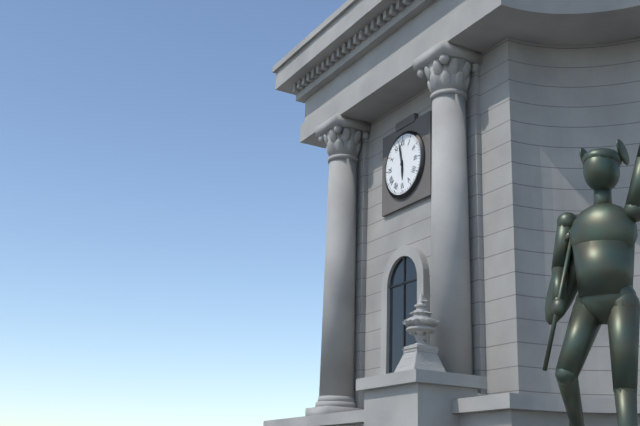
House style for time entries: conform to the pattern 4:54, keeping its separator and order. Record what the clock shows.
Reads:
5:58
